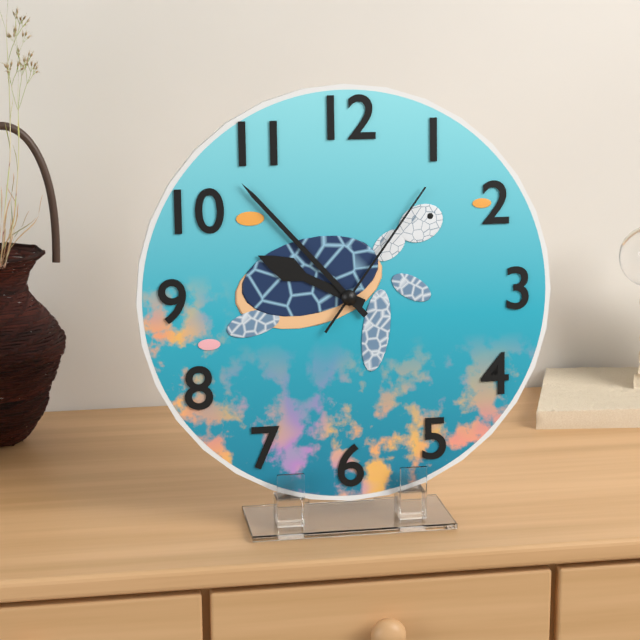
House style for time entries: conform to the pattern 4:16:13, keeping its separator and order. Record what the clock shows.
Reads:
9:53:06
